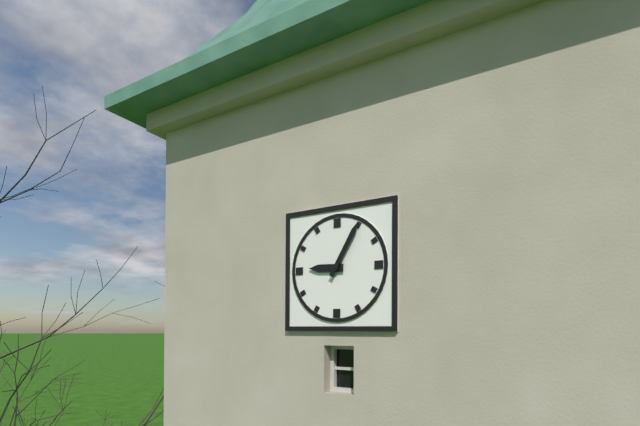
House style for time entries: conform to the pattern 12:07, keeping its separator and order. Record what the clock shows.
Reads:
9:05
